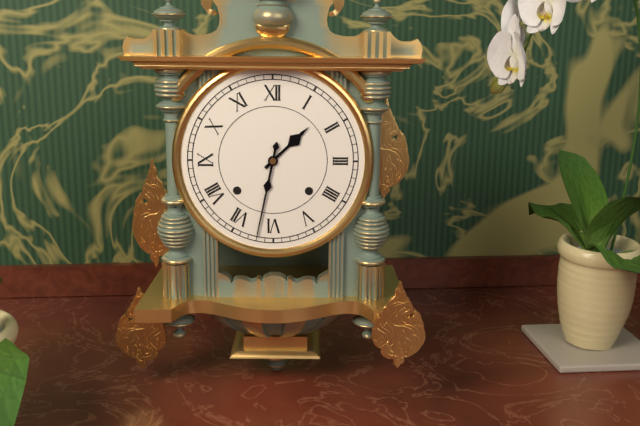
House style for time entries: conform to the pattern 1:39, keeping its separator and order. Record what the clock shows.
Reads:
1:32
